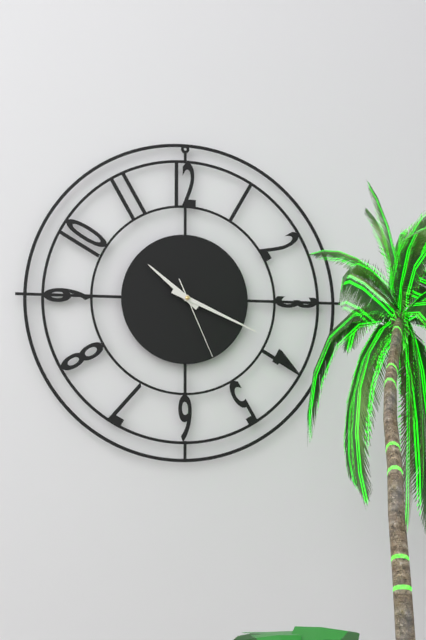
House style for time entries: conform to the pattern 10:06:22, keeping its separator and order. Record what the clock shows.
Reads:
10:19:26
